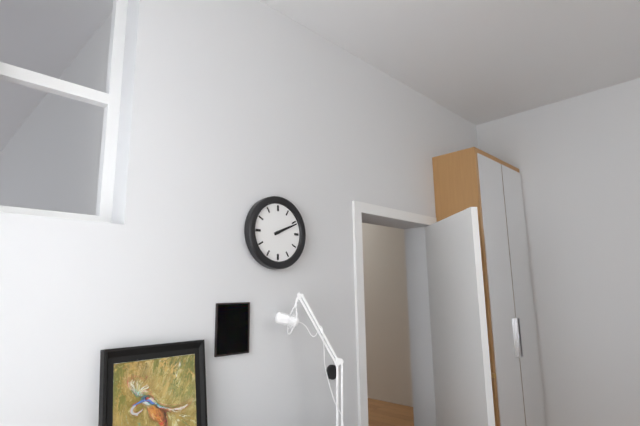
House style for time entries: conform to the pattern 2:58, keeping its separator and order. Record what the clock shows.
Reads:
2:11
